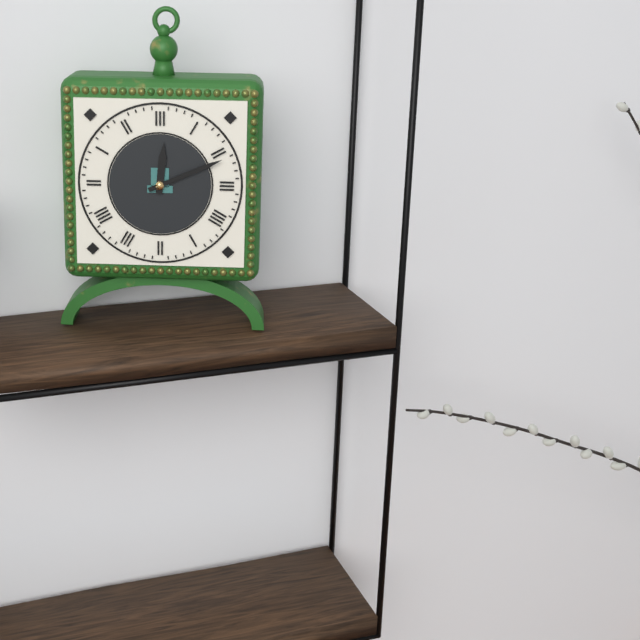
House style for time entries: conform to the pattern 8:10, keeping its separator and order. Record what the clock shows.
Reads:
12:11
